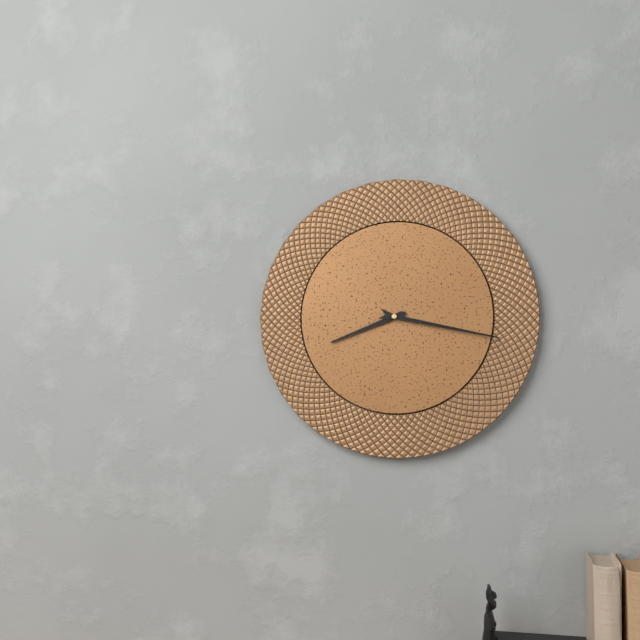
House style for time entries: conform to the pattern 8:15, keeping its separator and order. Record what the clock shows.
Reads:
8:17
